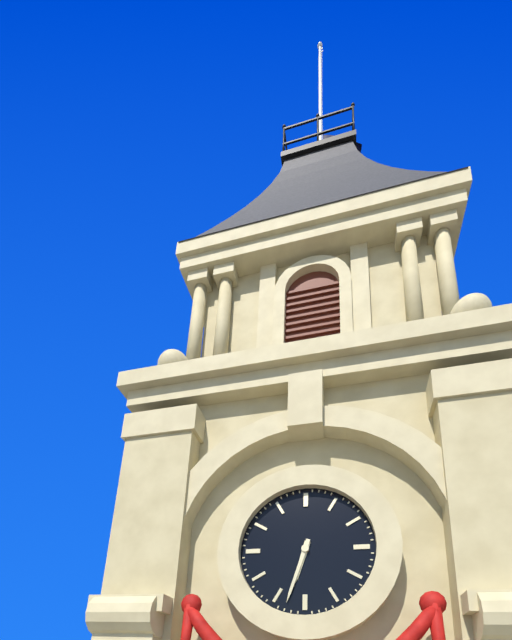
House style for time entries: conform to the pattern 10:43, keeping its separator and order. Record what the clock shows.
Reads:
6:33
